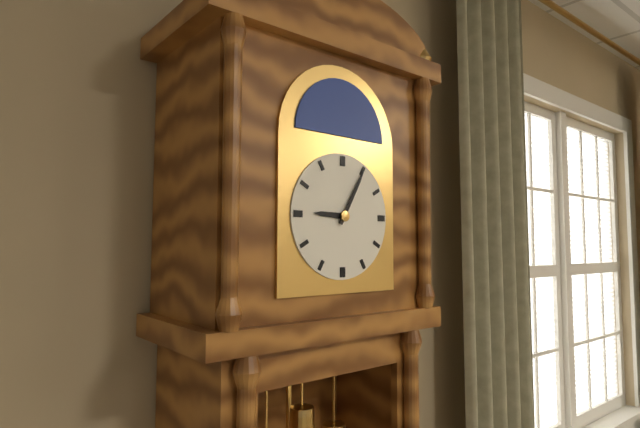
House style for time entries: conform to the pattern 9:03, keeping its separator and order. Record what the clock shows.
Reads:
9:05
